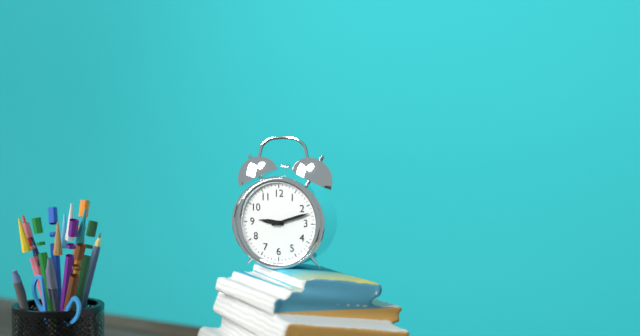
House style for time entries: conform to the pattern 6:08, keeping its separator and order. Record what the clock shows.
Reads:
9:12
